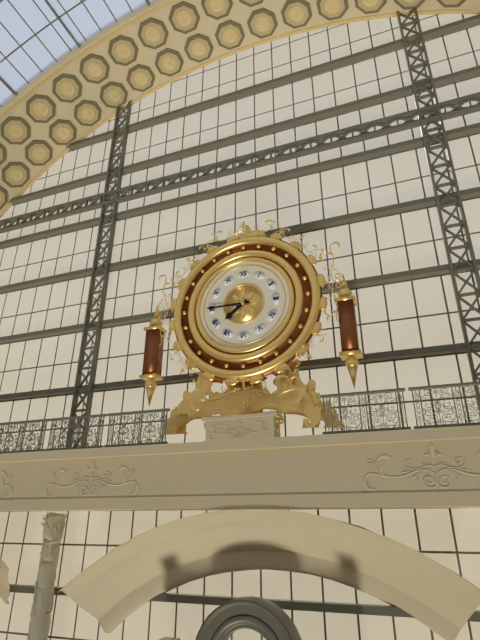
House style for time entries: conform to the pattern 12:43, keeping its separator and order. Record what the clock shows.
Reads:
7:45
